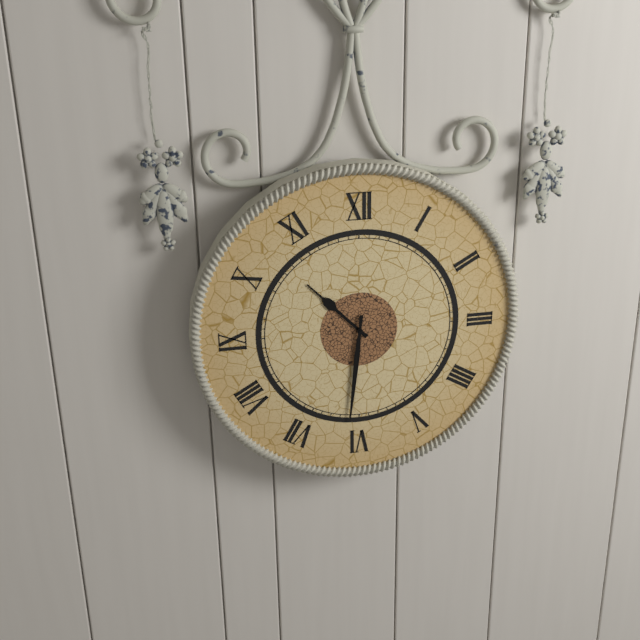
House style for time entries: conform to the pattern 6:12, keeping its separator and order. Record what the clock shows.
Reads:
10:31
